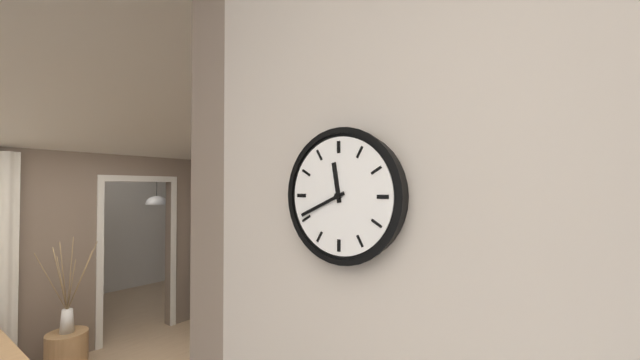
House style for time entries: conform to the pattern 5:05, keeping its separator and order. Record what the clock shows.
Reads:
11:41
